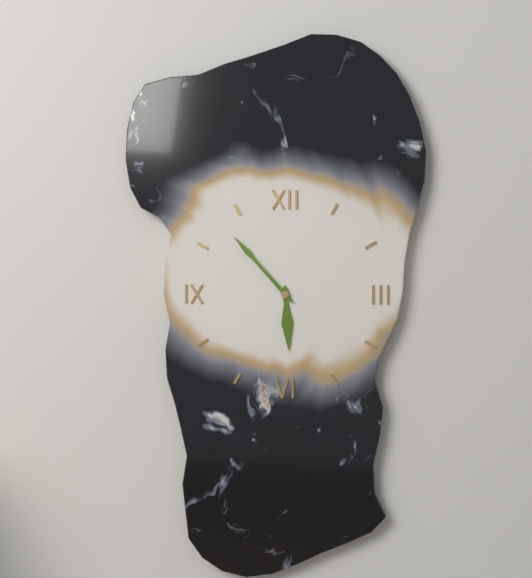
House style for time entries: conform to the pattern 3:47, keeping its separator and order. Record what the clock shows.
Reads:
5:53
